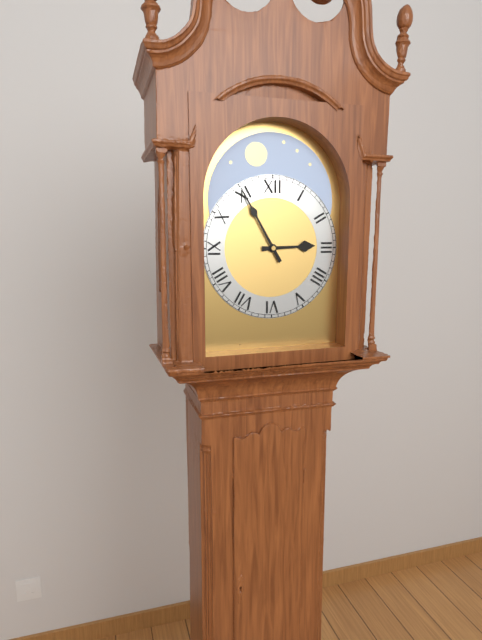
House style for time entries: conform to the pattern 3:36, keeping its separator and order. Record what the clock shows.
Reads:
2:55
